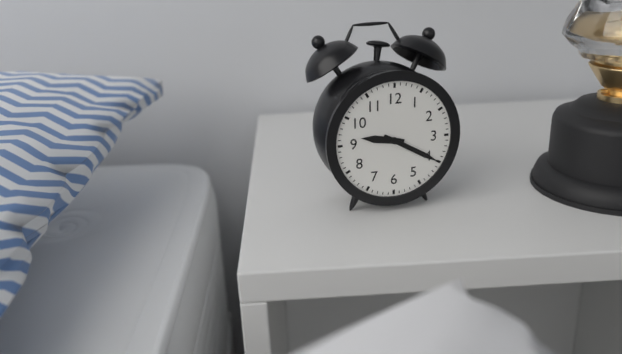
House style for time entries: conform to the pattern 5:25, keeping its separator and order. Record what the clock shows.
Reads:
9:20
